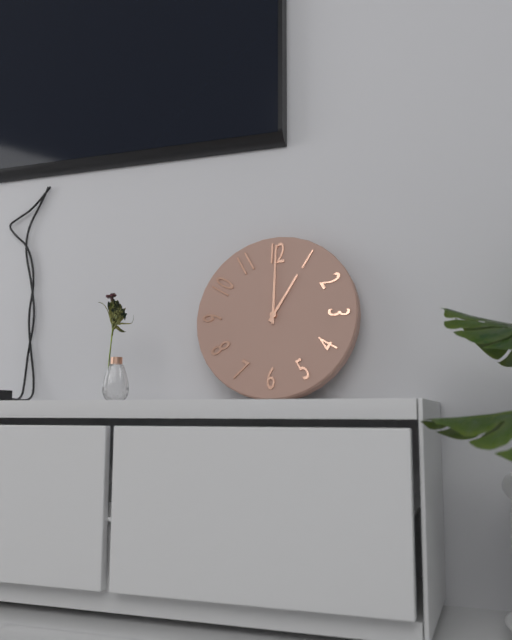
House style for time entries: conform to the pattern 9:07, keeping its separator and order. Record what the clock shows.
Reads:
1:00
